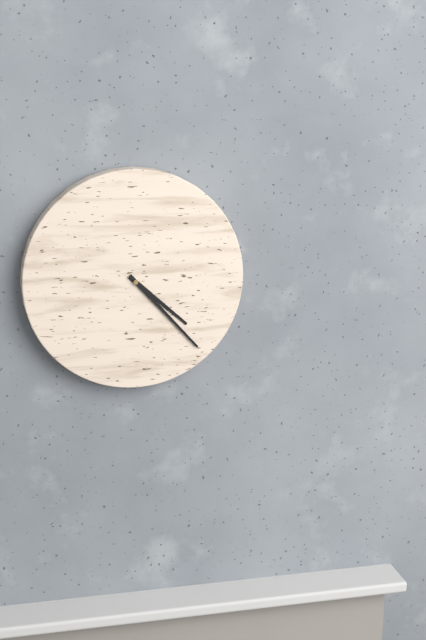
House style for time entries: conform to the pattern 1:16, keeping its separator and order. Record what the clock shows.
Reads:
4:23
